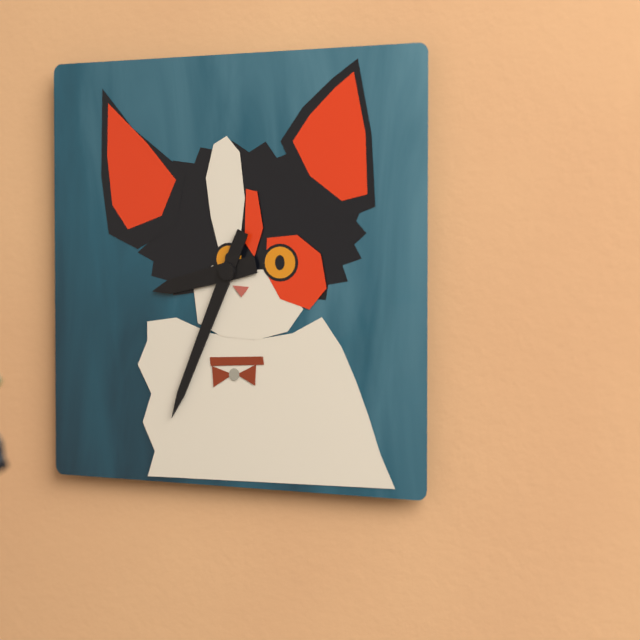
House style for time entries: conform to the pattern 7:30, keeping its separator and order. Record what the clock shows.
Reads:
8:34
